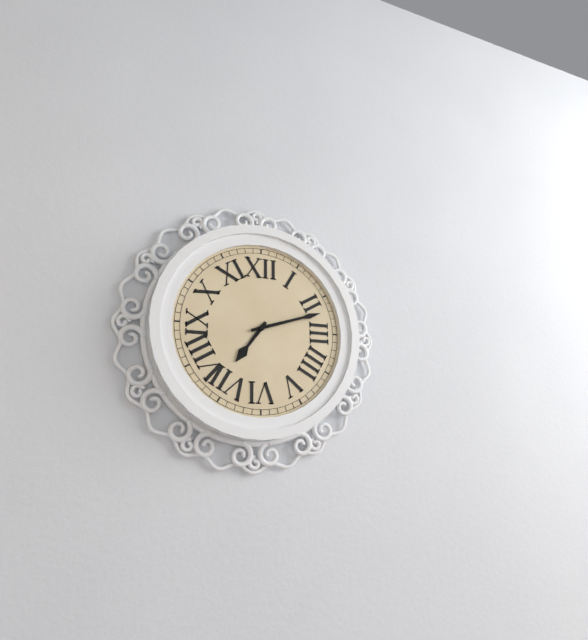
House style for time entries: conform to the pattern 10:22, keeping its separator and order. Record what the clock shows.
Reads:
7:12
